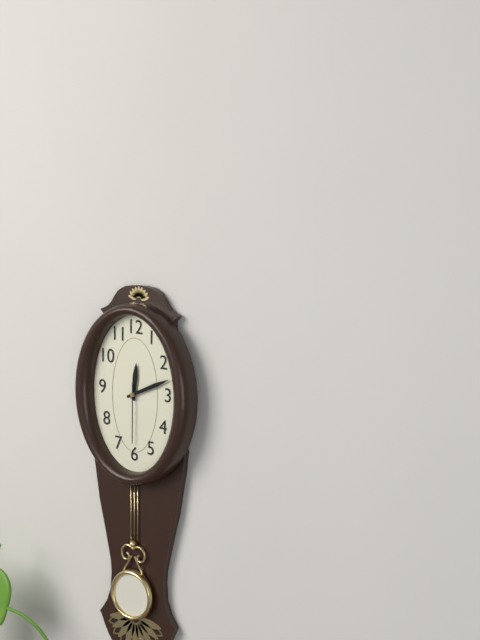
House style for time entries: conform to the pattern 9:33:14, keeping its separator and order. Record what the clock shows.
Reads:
12:11:30
